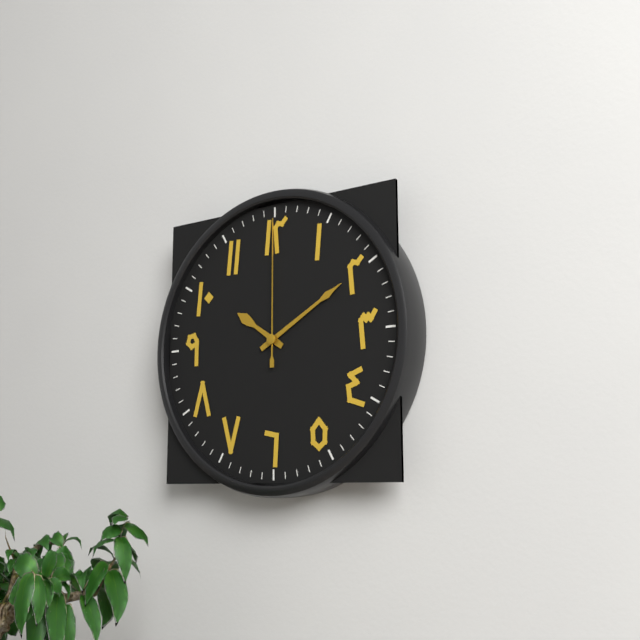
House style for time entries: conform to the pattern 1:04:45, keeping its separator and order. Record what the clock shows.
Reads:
10:10:00
